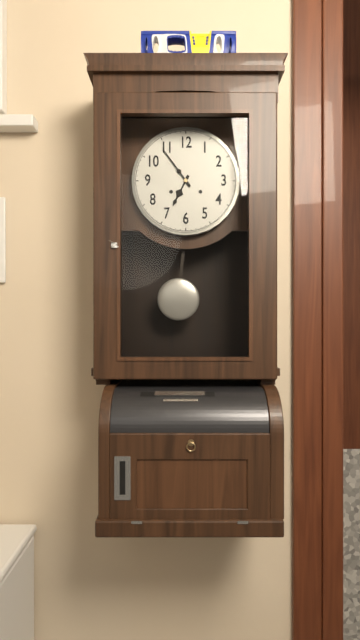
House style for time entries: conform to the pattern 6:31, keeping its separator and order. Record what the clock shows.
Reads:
6:54
